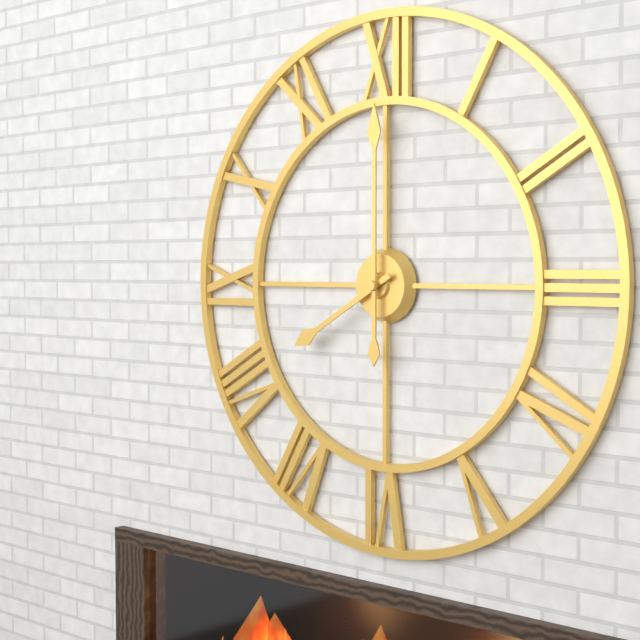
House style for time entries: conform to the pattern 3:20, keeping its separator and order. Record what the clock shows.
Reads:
8:00
